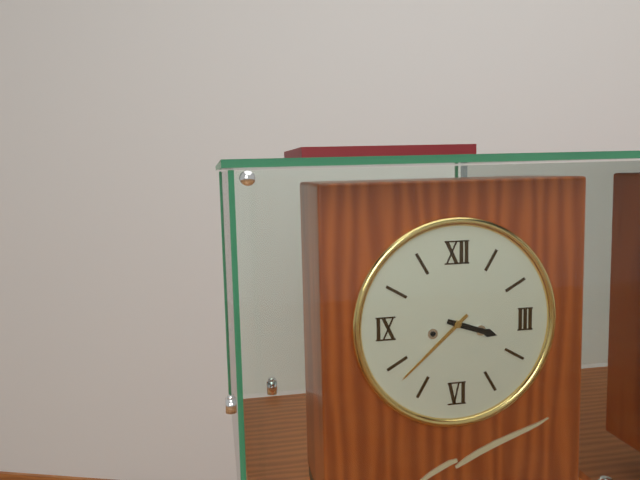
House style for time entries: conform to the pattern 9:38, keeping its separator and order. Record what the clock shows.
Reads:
3:38
